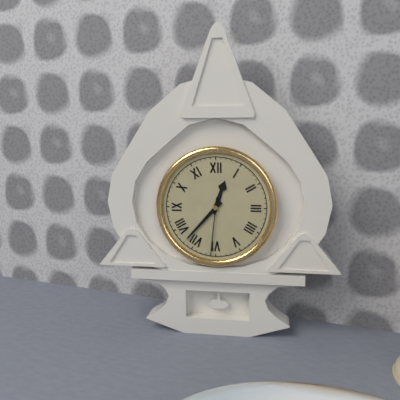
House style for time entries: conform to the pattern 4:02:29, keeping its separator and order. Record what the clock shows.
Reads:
12:37:31
